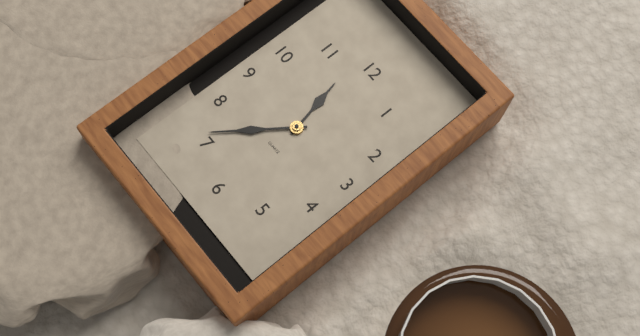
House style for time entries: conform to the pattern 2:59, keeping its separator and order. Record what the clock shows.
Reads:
11:36
